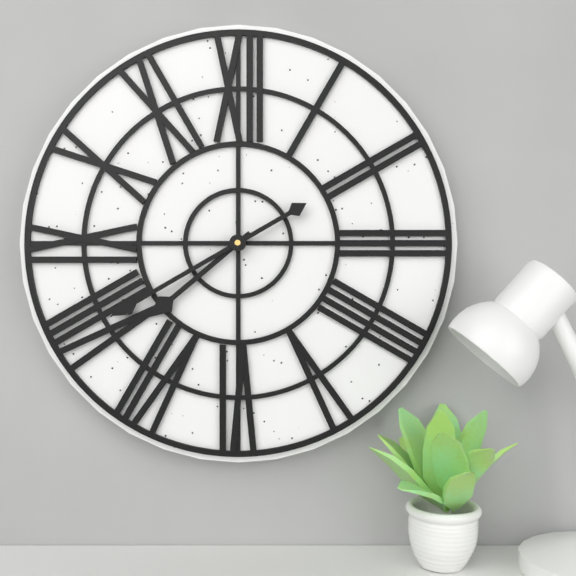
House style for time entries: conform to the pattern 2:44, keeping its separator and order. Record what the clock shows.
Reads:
7:40
